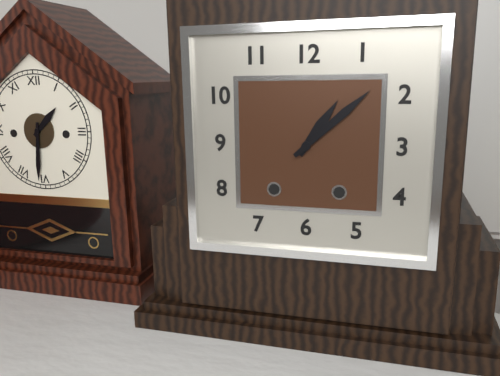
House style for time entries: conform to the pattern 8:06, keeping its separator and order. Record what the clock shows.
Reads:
1:08
